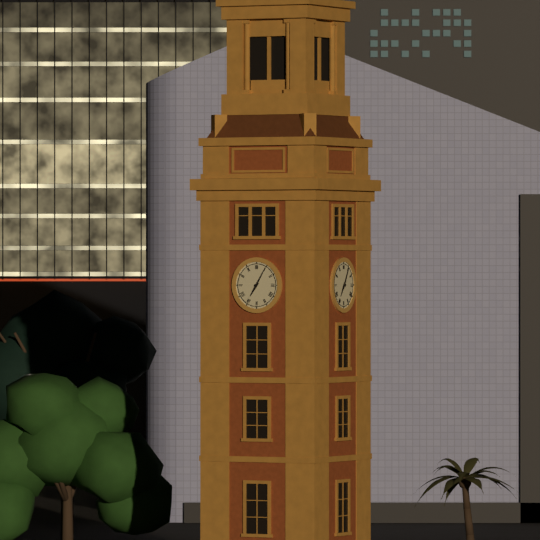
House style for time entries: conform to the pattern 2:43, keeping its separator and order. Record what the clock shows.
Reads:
7:05
